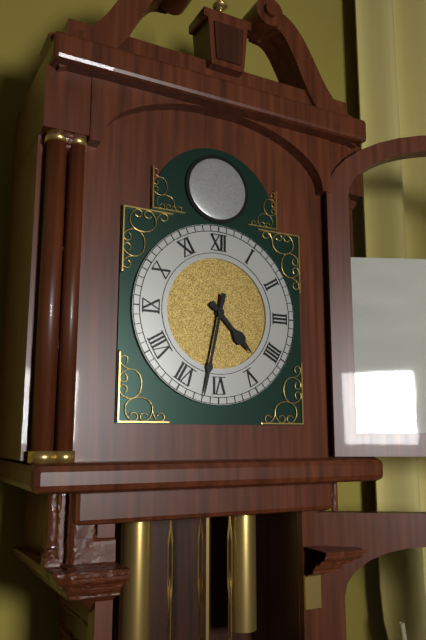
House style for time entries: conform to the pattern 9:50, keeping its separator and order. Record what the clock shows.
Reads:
4:32
